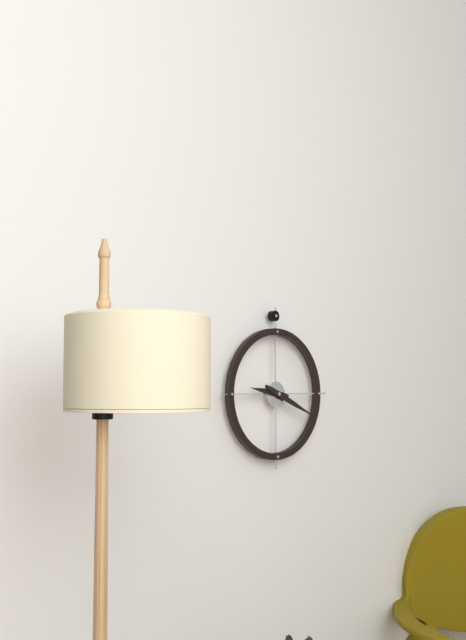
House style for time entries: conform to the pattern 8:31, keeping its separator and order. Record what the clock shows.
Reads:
9:19
